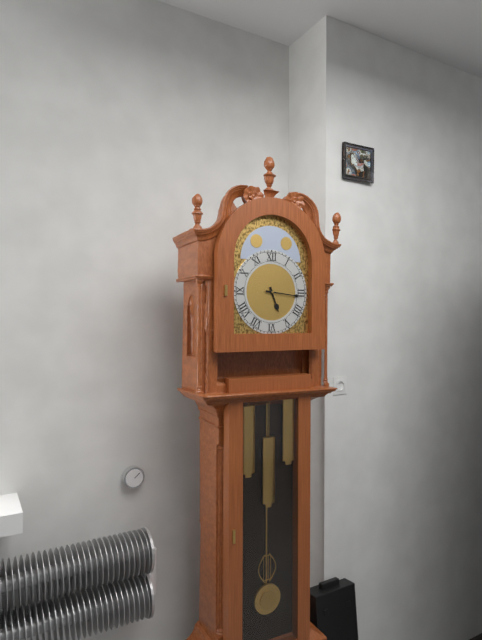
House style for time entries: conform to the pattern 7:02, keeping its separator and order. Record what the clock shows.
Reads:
5:16
